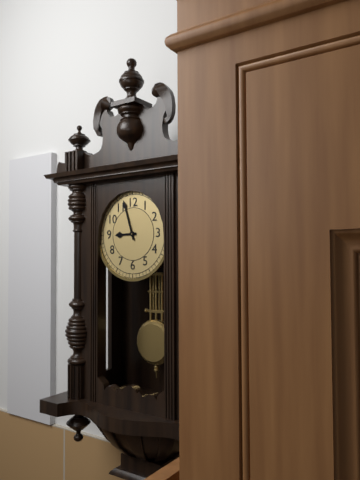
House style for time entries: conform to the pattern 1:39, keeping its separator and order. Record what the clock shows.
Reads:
8:57
